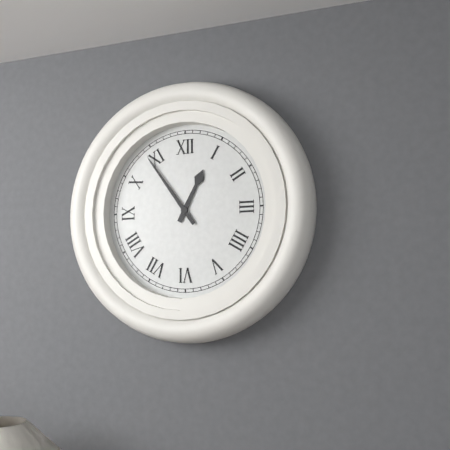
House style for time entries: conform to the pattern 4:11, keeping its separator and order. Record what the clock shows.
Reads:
12:54
